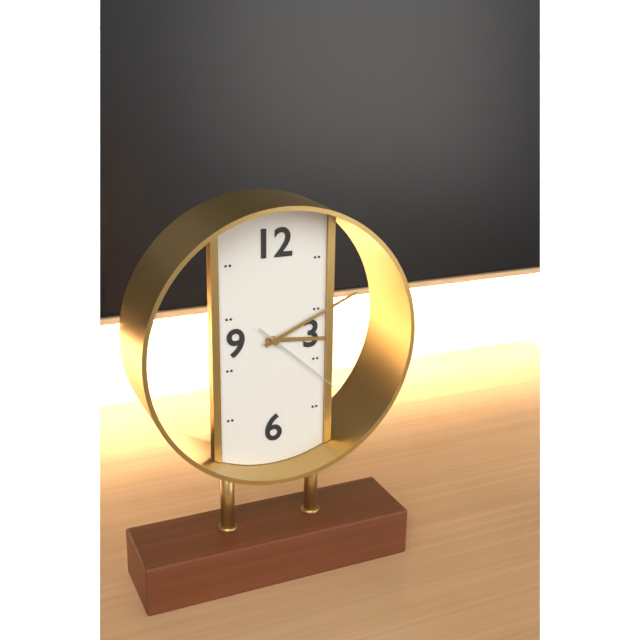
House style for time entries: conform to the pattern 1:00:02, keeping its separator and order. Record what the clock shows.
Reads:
3:11:22
